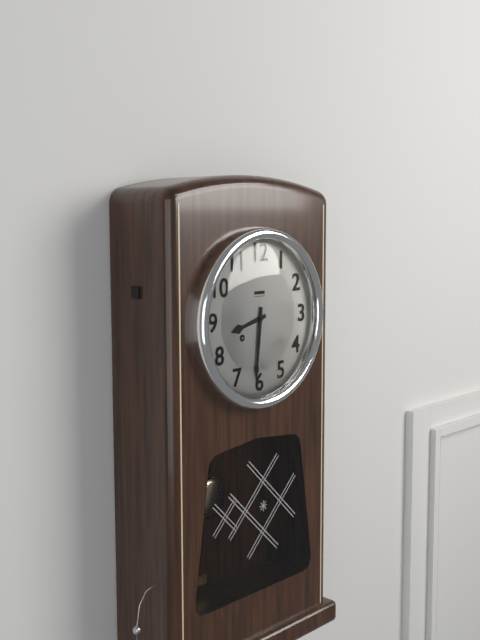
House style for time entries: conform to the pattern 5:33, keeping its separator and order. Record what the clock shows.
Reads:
8:31
